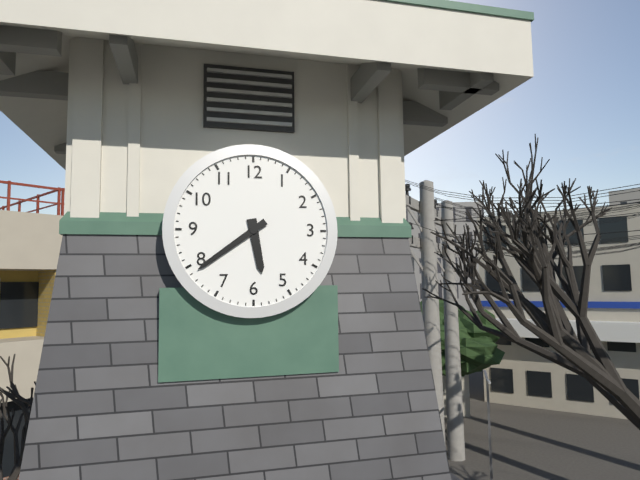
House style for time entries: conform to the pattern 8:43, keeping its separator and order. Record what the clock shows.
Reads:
5:39
